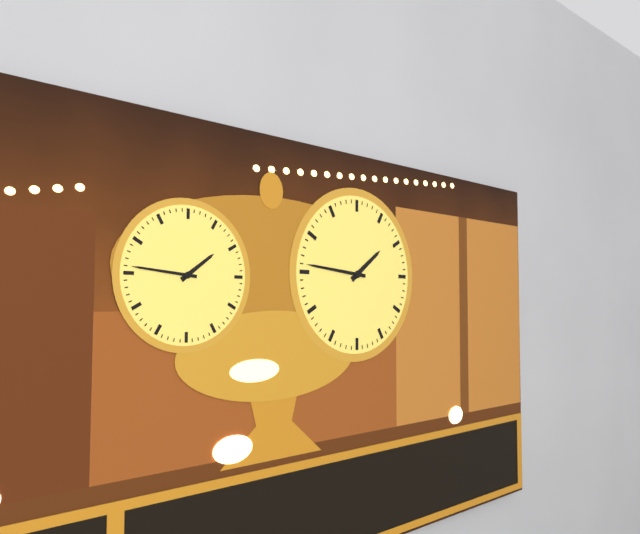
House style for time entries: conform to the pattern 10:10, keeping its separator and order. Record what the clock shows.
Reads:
1:46
